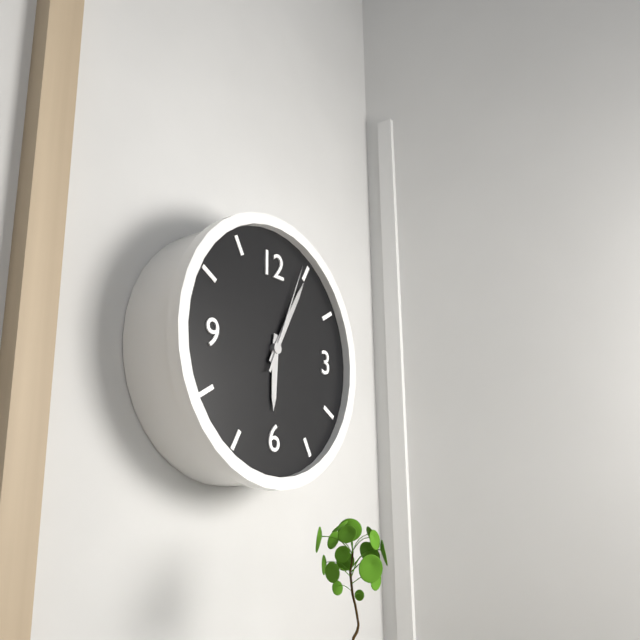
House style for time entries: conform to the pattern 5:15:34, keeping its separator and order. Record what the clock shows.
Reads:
6:05:04
